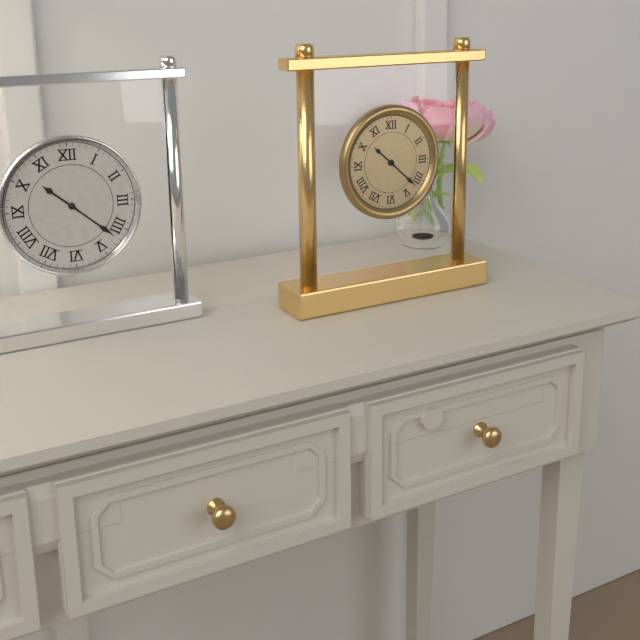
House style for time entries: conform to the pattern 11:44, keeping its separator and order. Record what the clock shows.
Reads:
10:22
